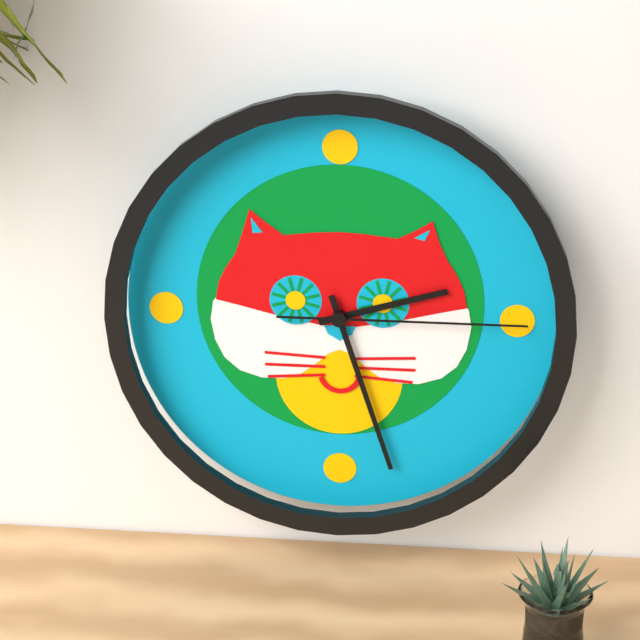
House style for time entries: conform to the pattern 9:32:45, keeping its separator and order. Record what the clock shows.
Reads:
2:27:15
